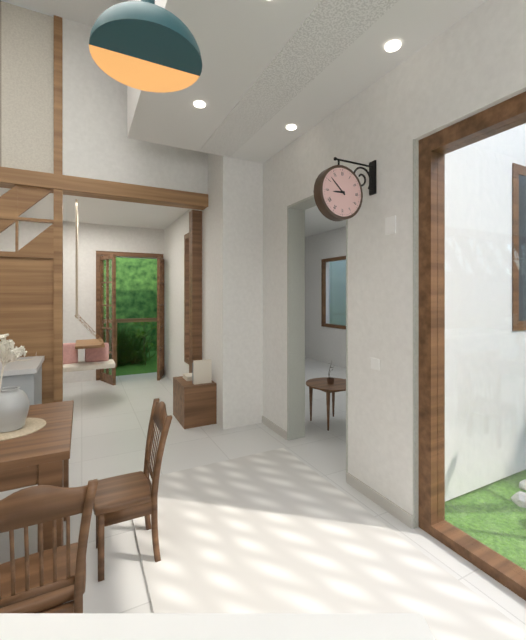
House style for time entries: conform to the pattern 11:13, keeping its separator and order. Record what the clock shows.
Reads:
8:52
